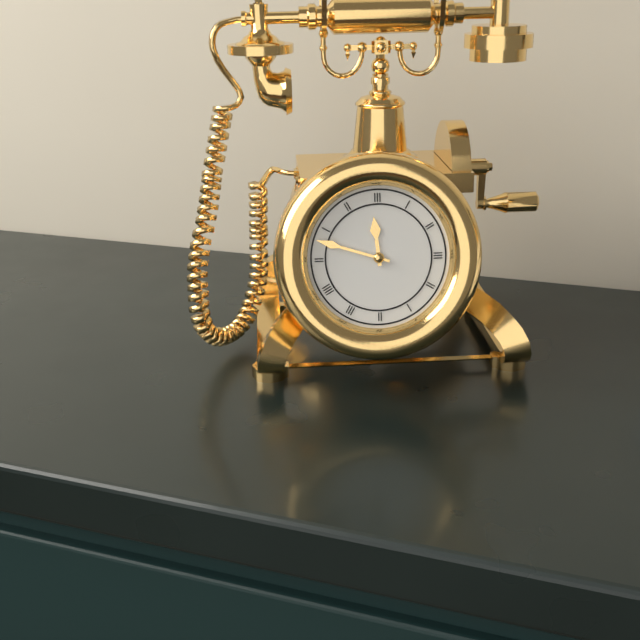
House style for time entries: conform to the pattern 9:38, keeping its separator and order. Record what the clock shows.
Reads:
11:48
